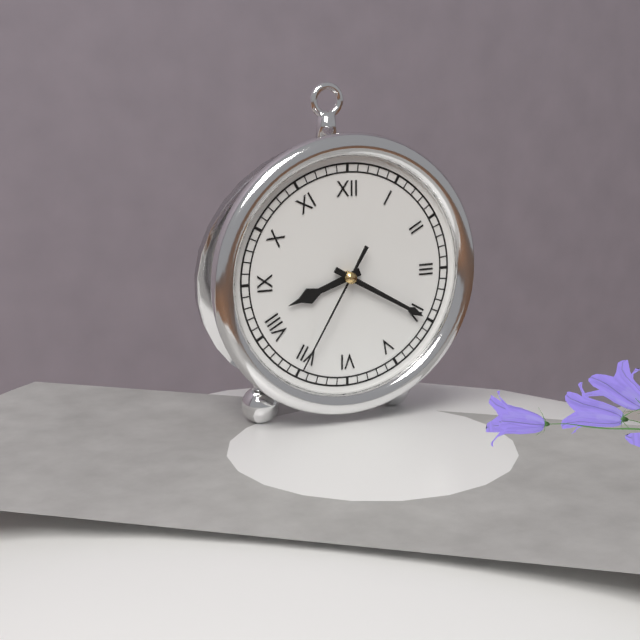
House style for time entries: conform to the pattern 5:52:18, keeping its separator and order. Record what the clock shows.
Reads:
8:20:35
